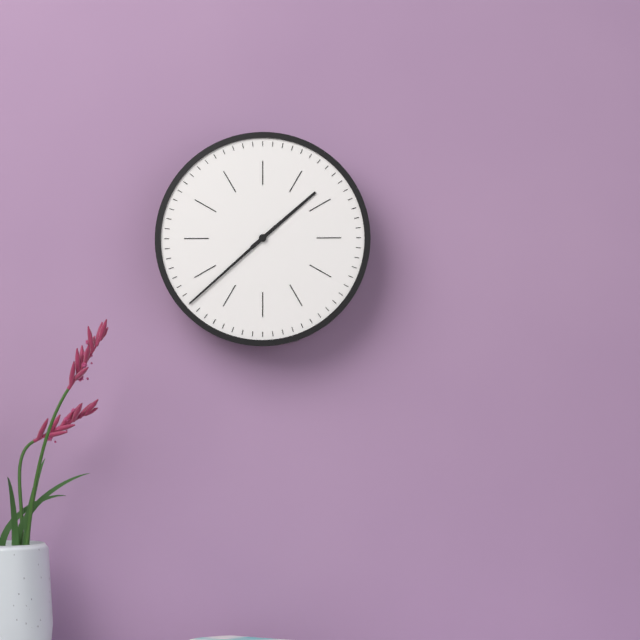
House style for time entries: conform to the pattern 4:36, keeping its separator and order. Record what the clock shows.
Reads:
1:38
